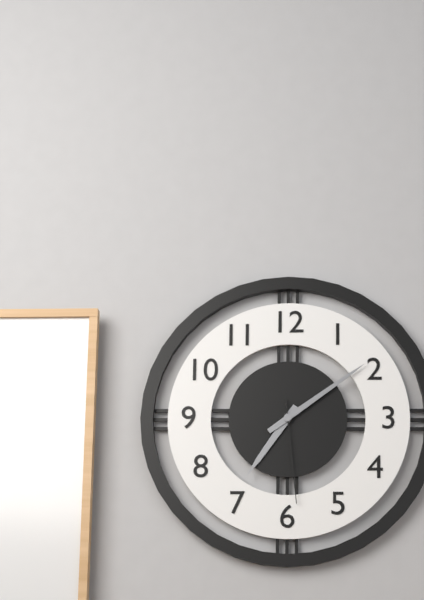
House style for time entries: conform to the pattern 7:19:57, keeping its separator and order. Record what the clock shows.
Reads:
7:09:29
